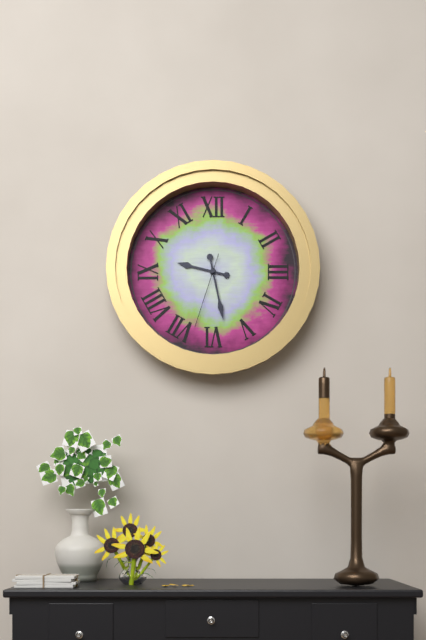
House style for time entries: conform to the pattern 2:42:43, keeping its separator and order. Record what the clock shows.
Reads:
9:28:33
